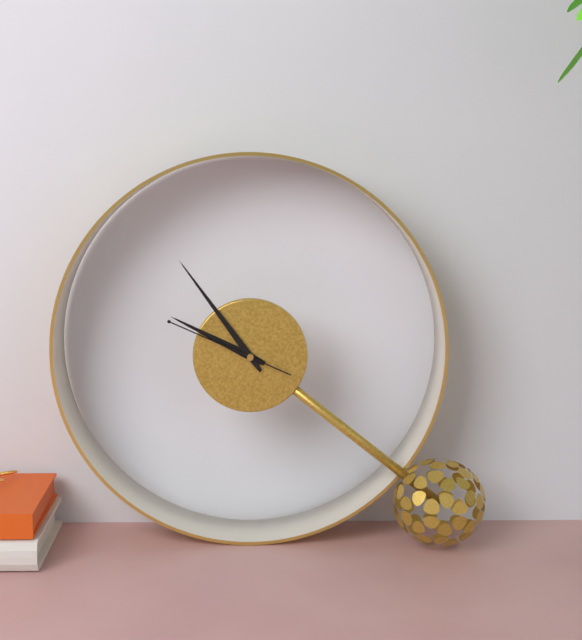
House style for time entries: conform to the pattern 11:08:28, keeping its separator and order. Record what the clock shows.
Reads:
9:54:49
